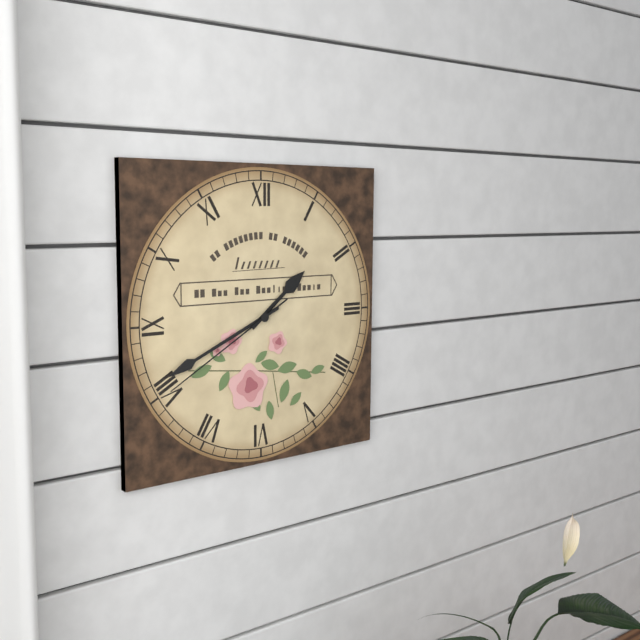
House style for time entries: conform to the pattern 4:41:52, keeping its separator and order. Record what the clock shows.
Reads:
1:41:40
